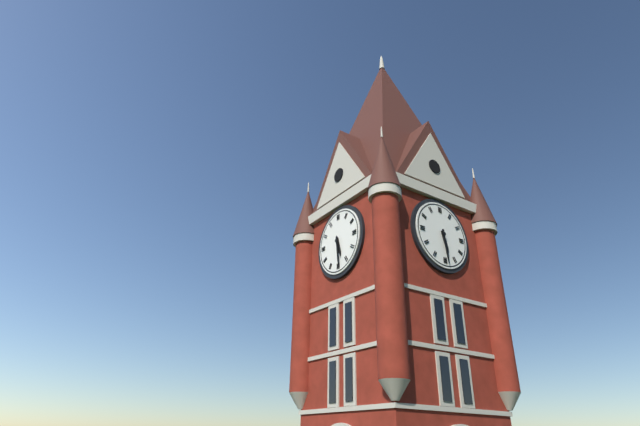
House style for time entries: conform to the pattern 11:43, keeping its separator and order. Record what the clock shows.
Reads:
5:29
